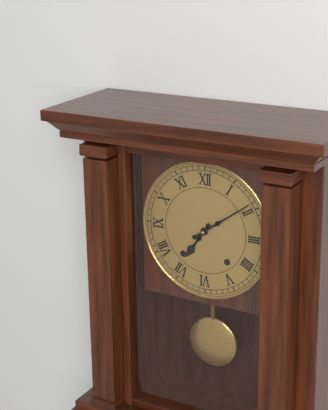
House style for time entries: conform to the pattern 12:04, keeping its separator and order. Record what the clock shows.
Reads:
7:09
